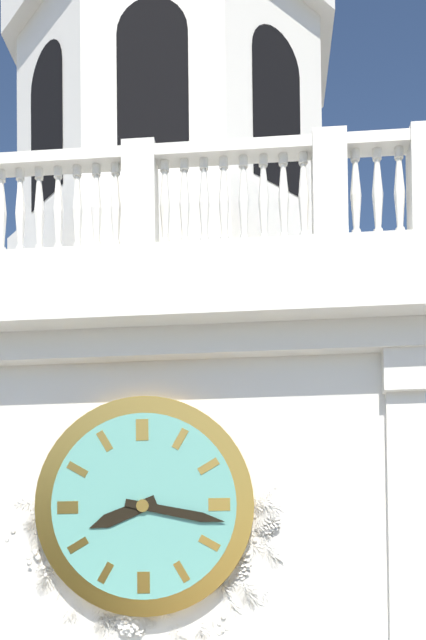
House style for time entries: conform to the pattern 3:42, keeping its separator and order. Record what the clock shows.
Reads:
8:17
